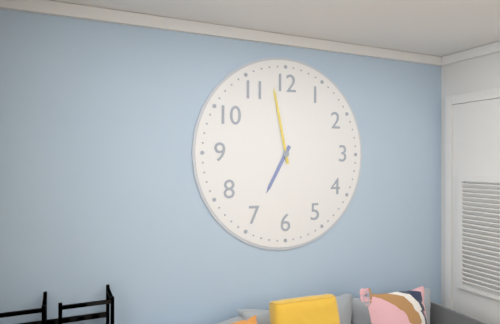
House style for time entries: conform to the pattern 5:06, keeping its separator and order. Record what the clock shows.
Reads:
6:58
